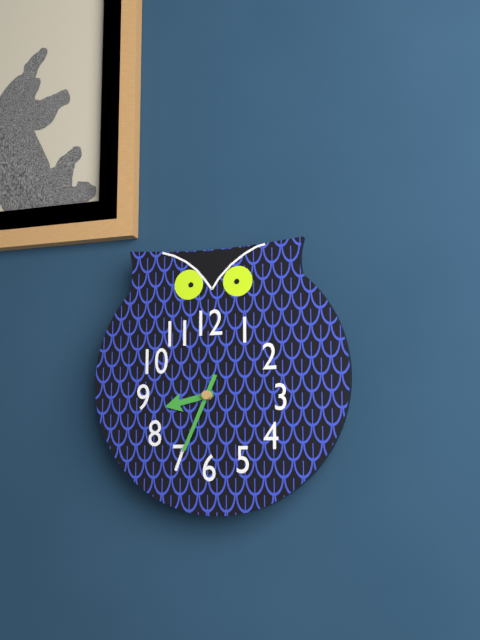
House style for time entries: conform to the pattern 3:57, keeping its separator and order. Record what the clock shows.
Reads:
8:34
